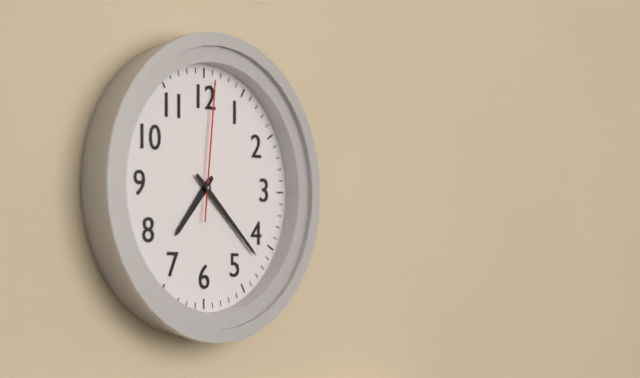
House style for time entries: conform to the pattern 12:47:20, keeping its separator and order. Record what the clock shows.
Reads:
7:22:01
